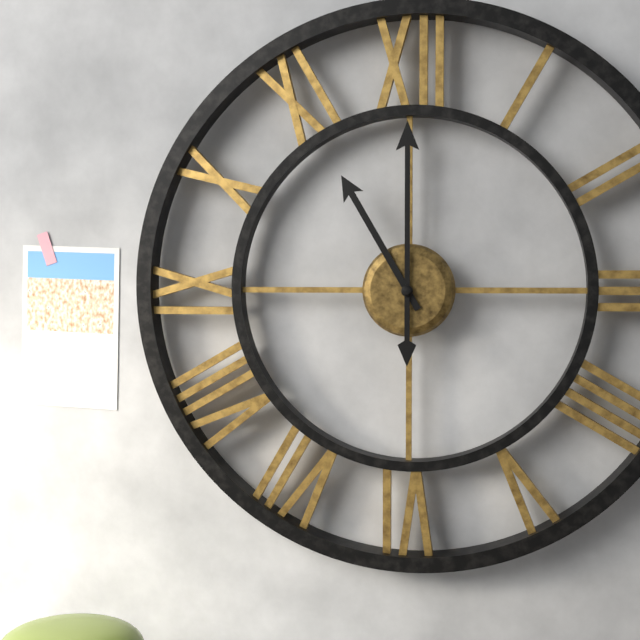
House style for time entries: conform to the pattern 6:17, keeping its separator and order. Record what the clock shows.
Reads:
11:00
